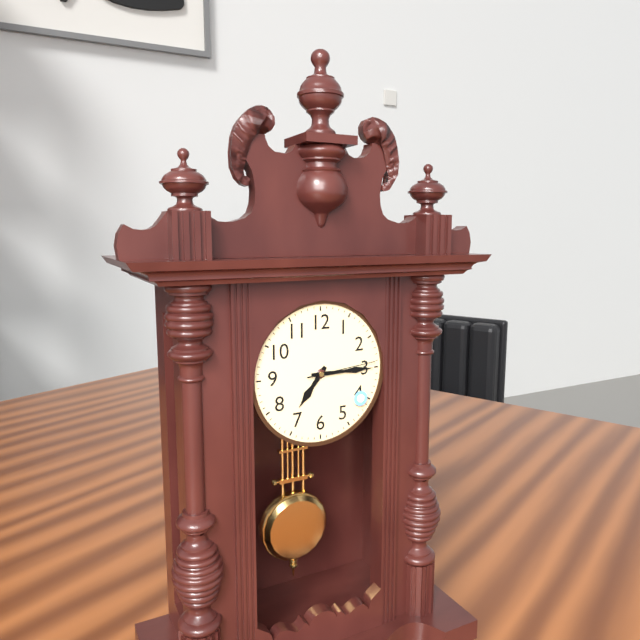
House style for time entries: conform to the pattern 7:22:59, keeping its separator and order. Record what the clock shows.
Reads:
7:15:14
